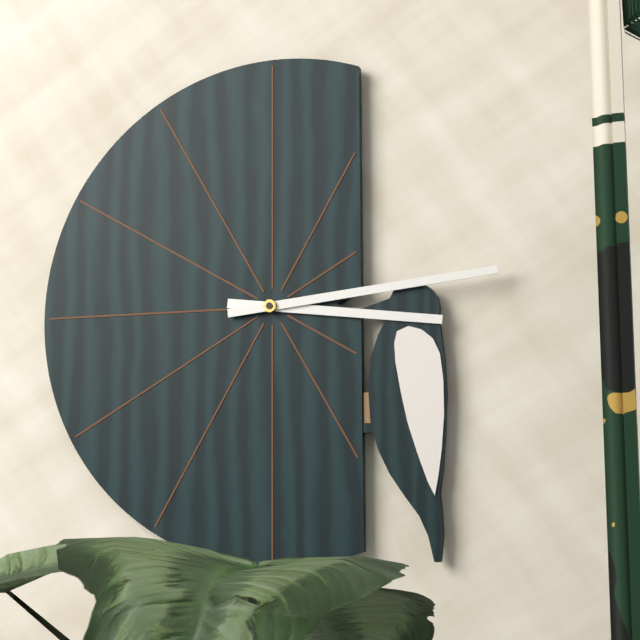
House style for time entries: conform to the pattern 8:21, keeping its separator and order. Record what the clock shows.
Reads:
3:14
